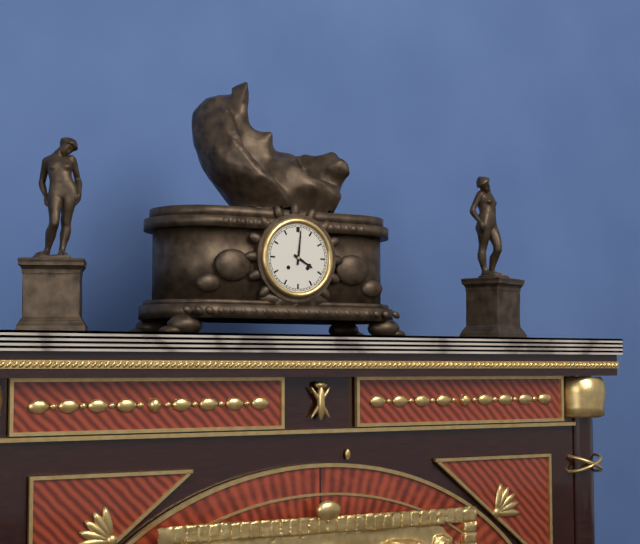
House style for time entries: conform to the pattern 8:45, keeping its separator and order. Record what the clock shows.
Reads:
4:01
